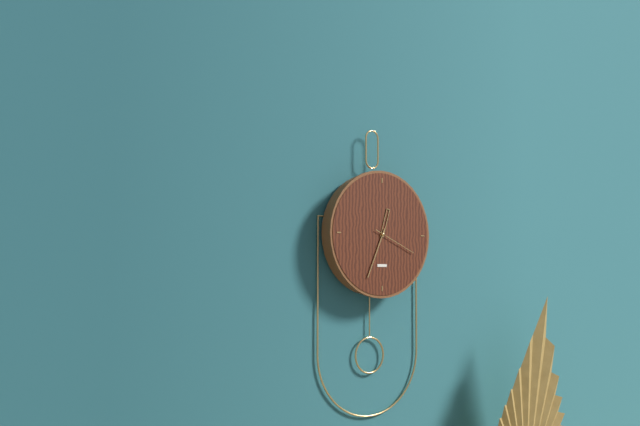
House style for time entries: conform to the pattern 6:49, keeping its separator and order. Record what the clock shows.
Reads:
12:34
